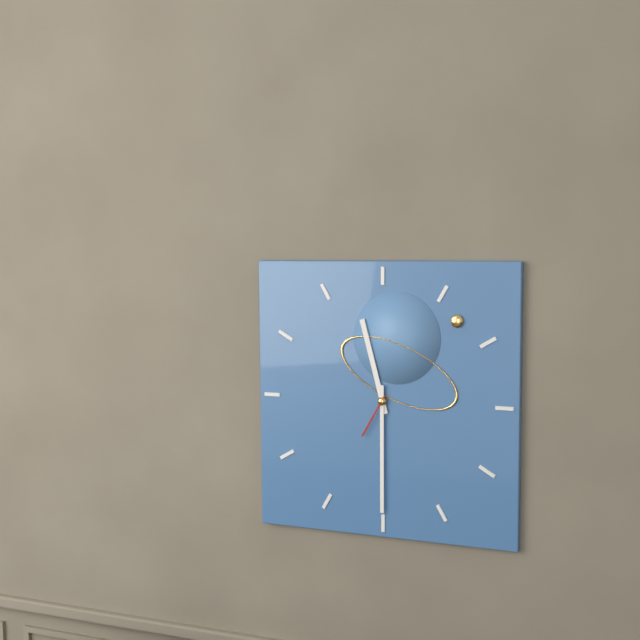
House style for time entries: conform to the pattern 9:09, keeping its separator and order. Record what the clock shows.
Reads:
11:30
